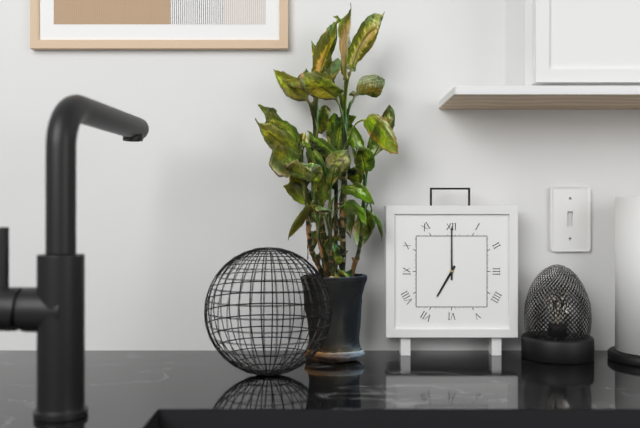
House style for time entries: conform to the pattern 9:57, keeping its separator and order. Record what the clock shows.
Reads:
7:00
